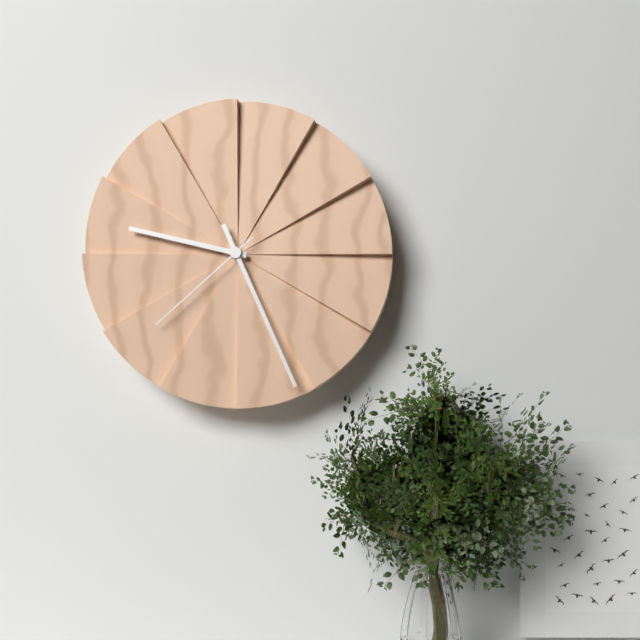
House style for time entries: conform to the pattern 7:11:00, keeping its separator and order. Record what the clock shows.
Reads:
9:26:38
